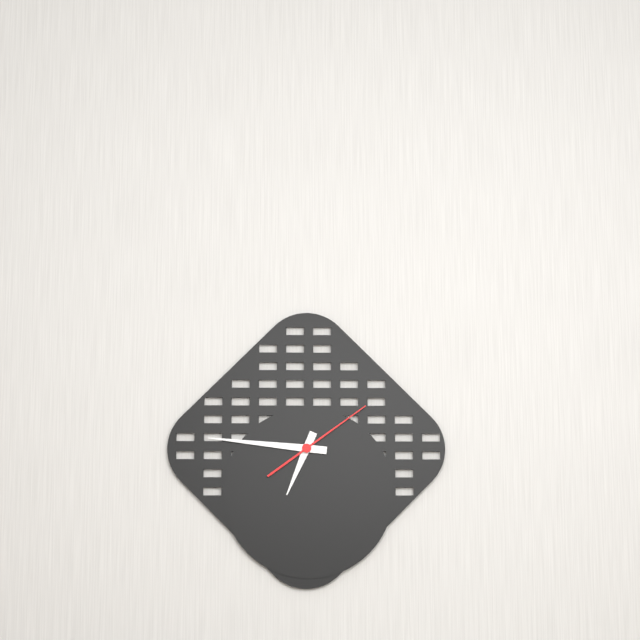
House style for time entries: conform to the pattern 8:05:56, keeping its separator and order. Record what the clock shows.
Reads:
6:46:09
